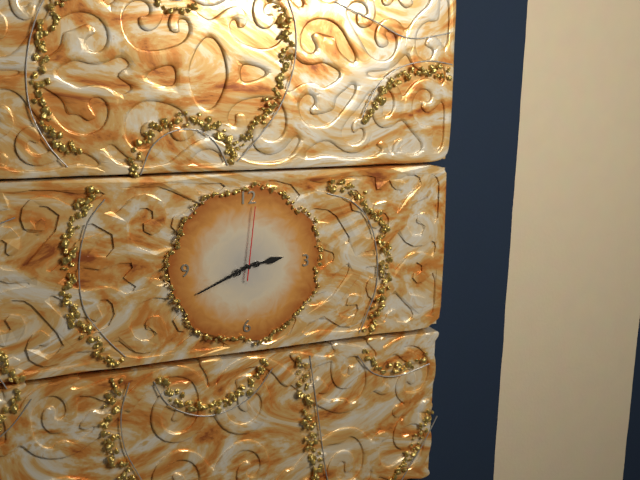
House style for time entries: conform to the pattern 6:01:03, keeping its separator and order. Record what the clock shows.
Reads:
2:41:01
